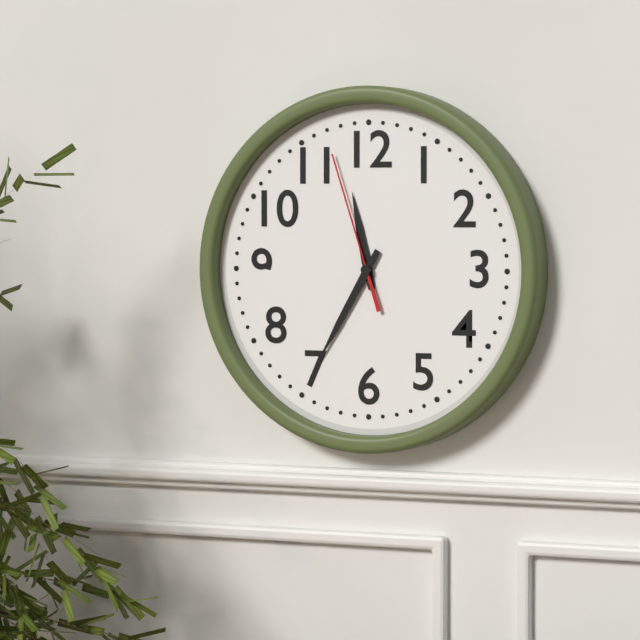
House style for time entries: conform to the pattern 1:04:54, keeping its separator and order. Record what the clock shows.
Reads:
11:35:57
